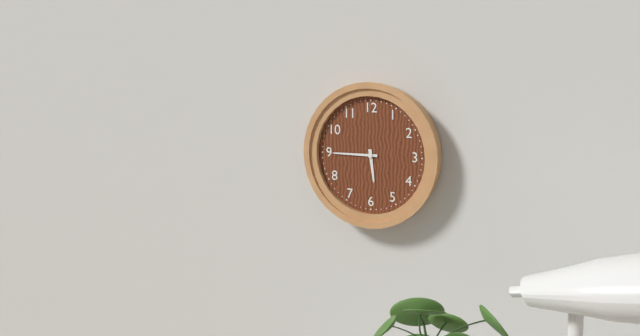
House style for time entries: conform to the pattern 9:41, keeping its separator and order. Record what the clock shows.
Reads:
5:45
